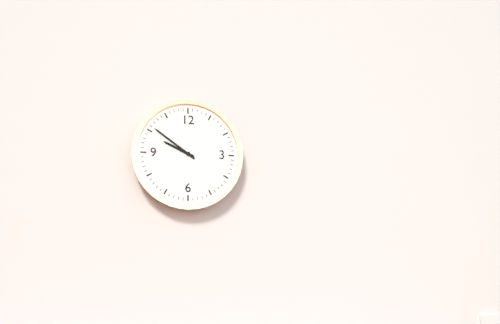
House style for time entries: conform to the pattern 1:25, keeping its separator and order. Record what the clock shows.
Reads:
9:51
